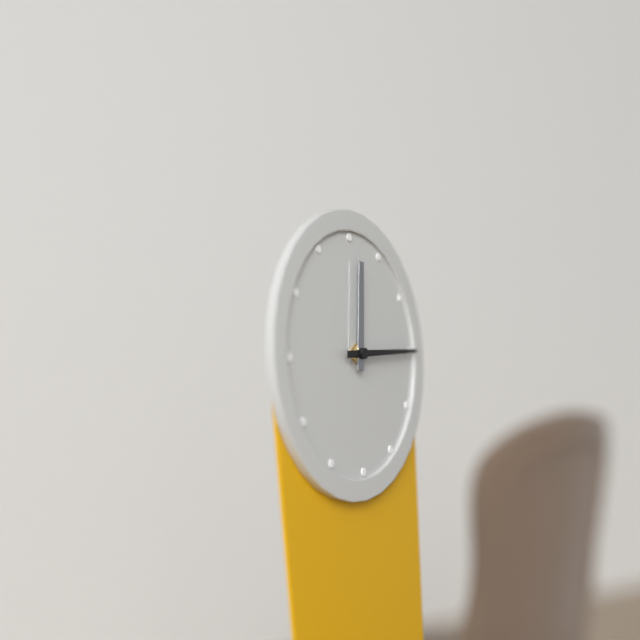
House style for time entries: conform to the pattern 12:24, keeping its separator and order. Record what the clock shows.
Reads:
12:15
